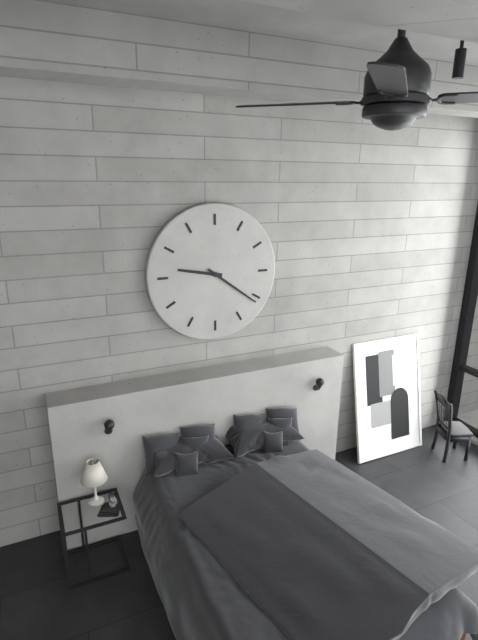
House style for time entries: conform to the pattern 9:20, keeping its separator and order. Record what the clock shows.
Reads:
9:21
